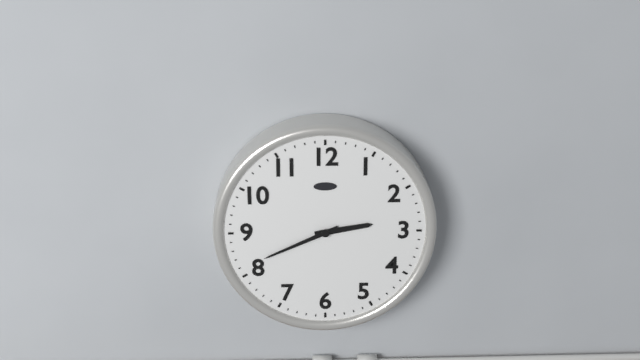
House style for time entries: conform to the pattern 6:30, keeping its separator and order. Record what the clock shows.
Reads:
2:41
